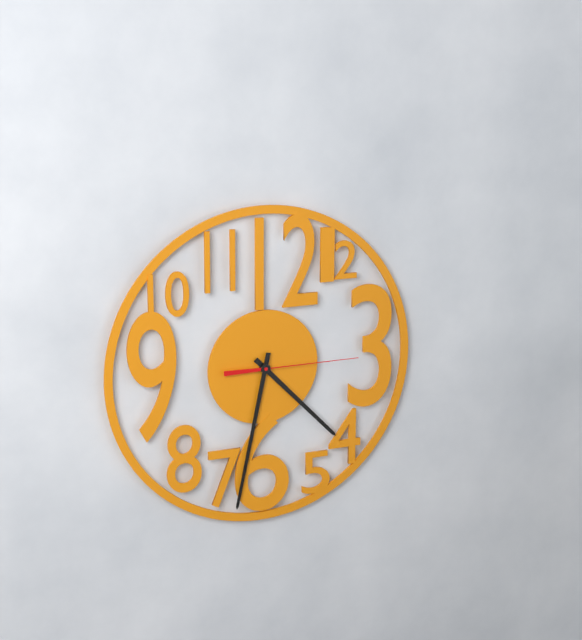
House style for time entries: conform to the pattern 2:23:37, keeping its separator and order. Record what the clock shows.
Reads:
4:32:15
